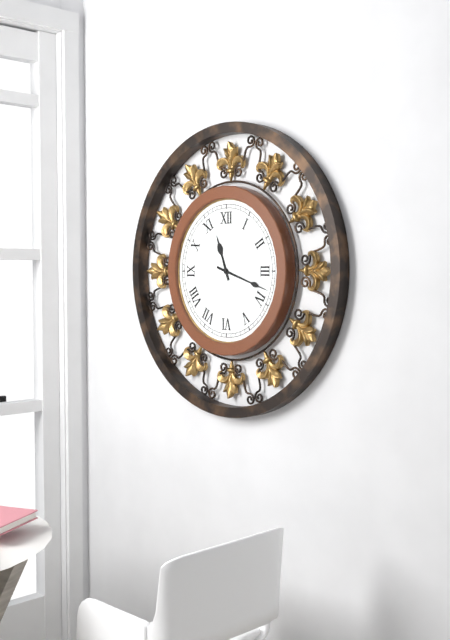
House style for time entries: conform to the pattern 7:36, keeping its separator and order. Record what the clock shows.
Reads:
11:18
